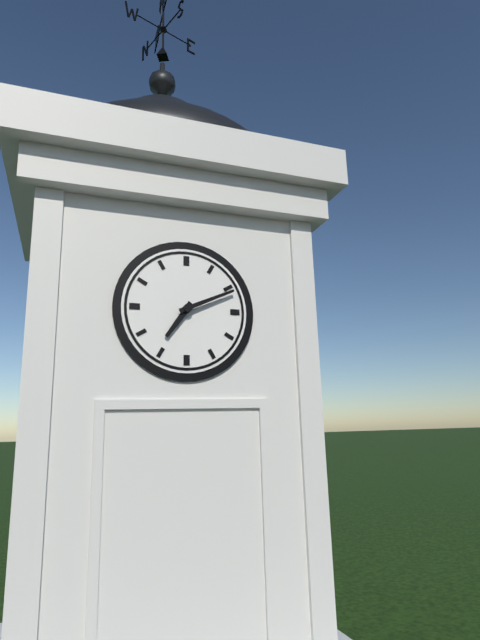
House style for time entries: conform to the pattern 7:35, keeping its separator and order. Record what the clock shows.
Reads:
7:11
